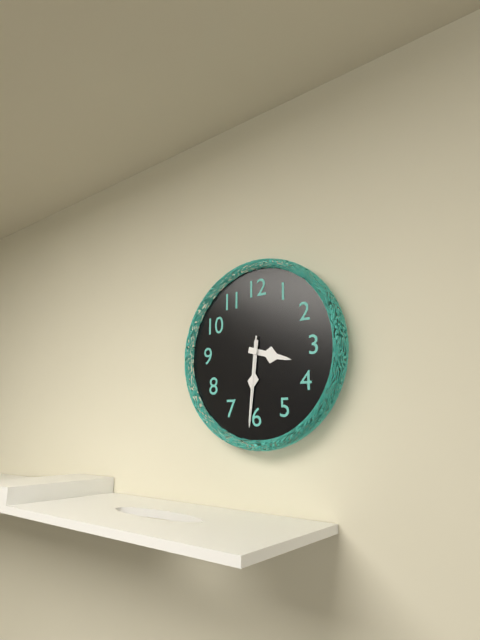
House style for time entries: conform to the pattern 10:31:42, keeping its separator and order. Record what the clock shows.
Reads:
3:31:31
